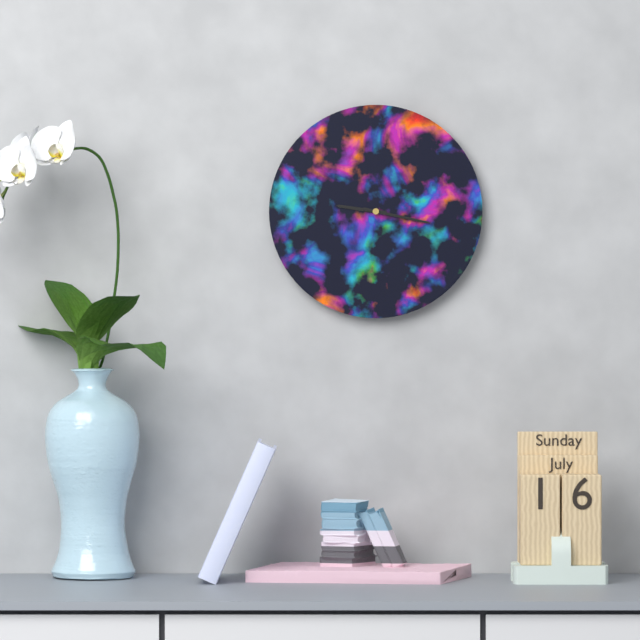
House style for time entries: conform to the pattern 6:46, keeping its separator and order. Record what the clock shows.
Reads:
9:17
